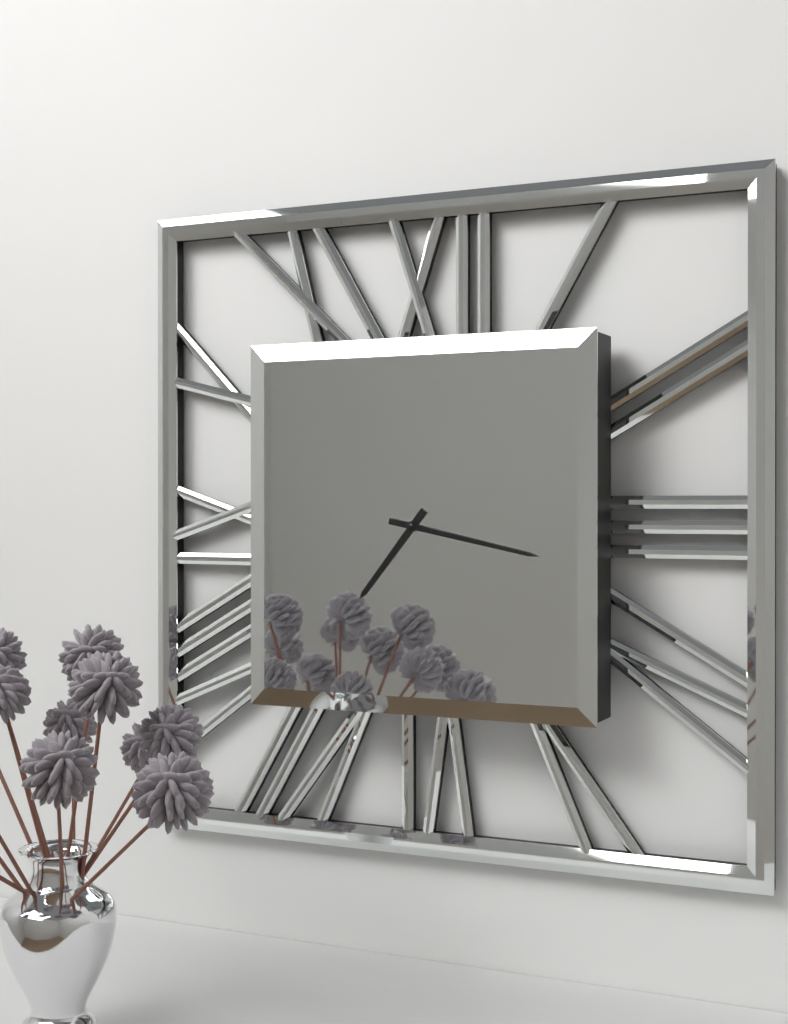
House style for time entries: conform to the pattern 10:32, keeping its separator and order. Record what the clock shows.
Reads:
7:17
